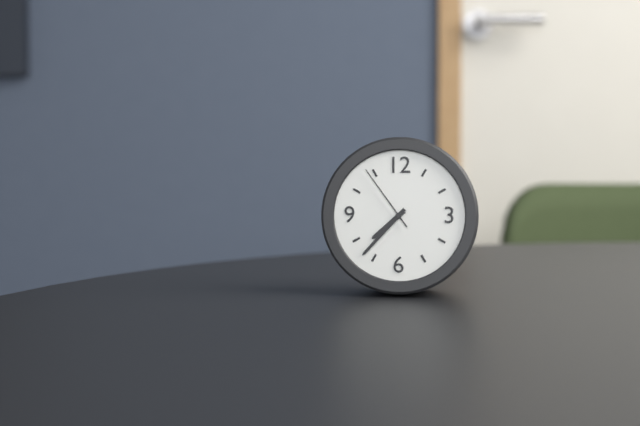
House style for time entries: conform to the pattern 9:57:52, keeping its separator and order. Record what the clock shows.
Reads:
7:37:54
